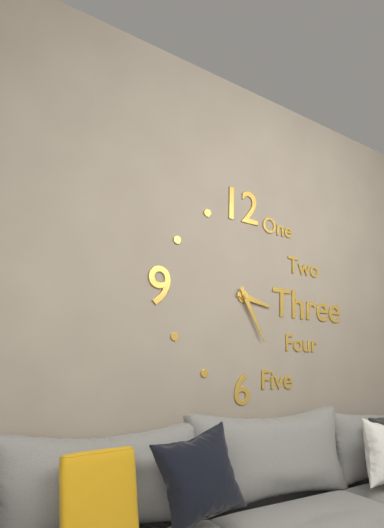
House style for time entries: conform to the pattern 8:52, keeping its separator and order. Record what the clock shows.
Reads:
3:25
